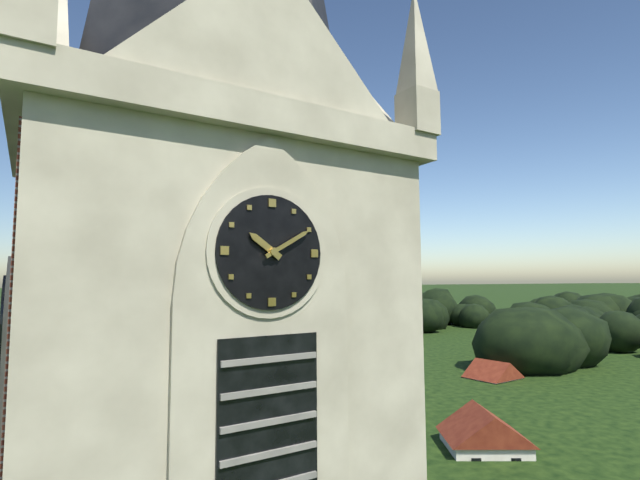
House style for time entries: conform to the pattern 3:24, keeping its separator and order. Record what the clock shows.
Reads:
10:10
